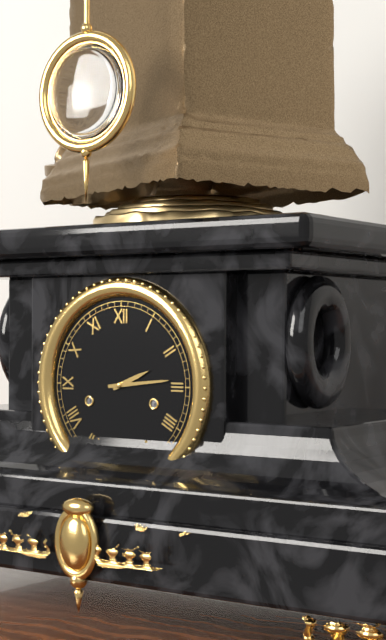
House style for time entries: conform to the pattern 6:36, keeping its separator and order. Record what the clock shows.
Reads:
2:14
